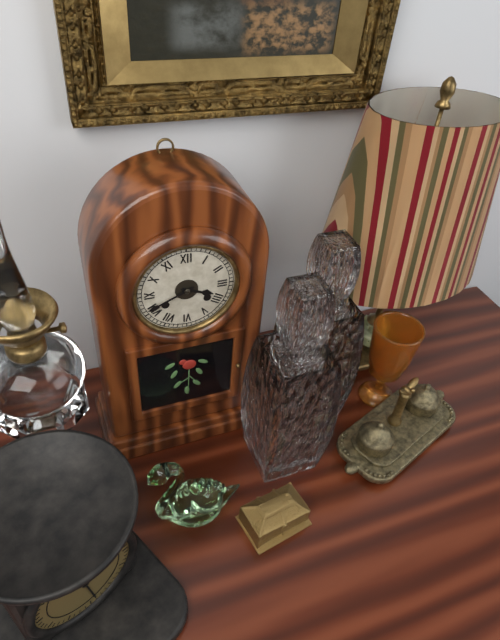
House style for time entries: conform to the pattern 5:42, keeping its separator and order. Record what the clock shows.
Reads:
3:41
